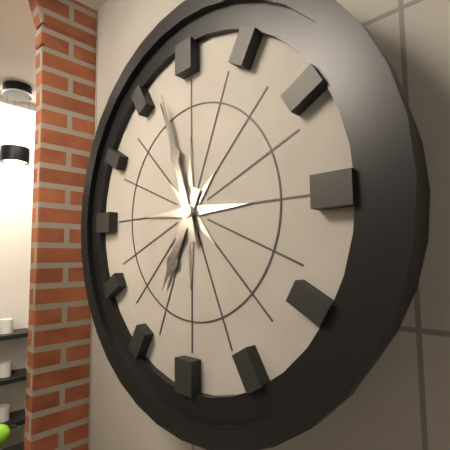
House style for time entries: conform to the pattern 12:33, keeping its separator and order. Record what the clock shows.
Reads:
6:57
